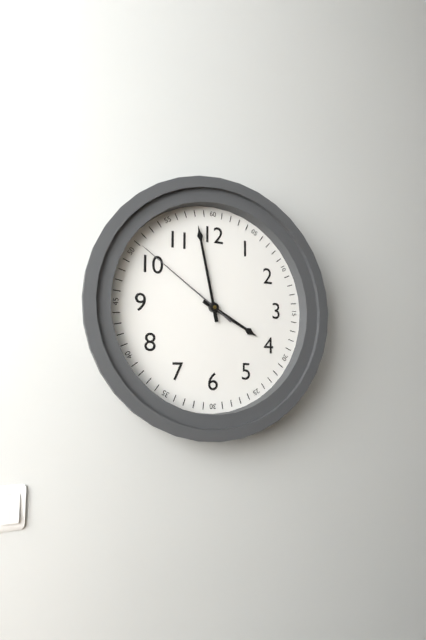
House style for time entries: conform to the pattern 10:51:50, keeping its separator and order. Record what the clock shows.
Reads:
3:58:51
